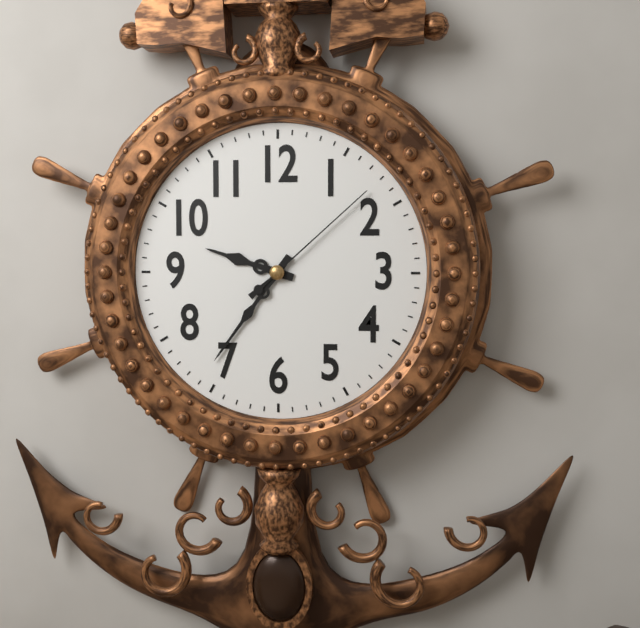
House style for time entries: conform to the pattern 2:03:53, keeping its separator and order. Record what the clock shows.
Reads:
9:36:08
